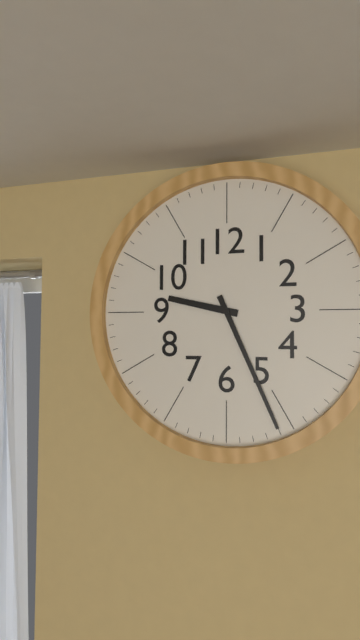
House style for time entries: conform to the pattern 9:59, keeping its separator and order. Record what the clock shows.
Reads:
9:26
